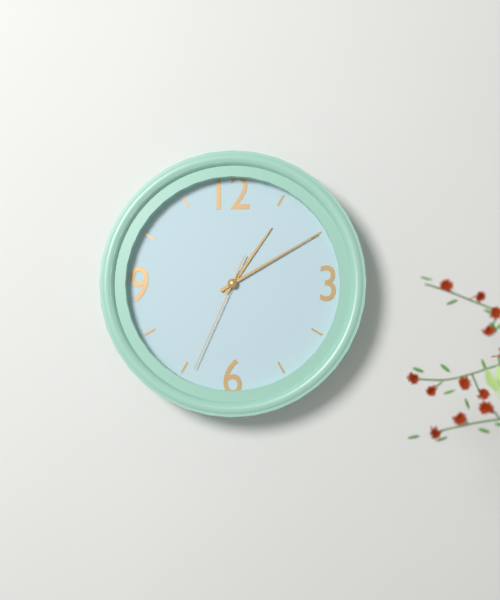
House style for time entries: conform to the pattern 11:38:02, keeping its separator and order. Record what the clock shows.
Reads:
1:10:34
